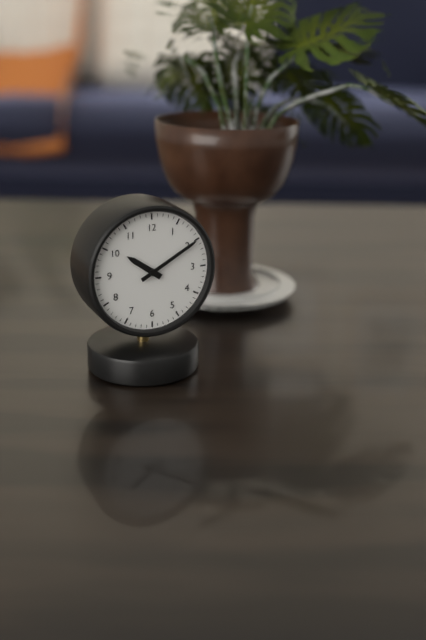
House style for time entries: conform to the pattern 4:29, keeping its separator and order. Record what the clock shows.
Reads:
10:10
